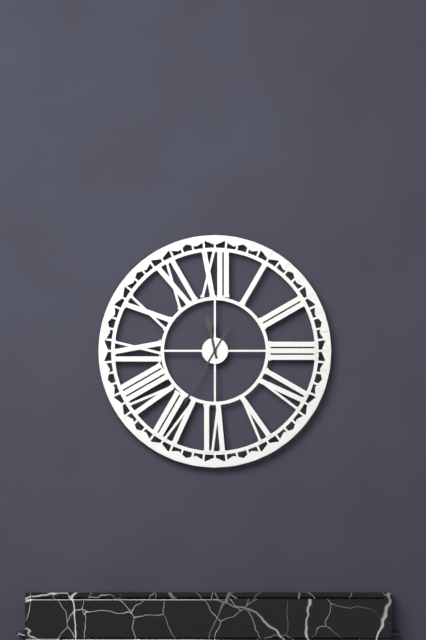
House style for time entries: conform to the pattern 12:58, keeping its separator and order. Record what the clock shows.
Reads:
11:35
